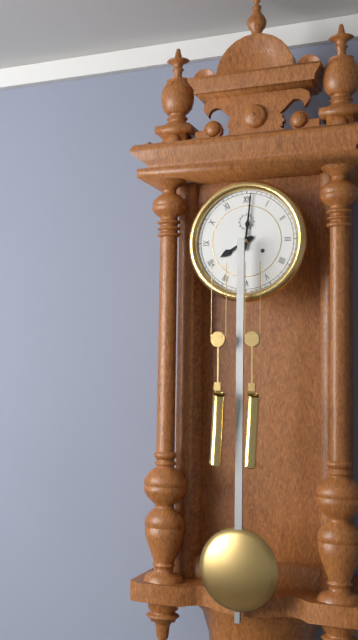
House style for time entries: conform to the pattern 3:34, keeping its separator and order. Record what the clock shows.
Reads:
8:01
